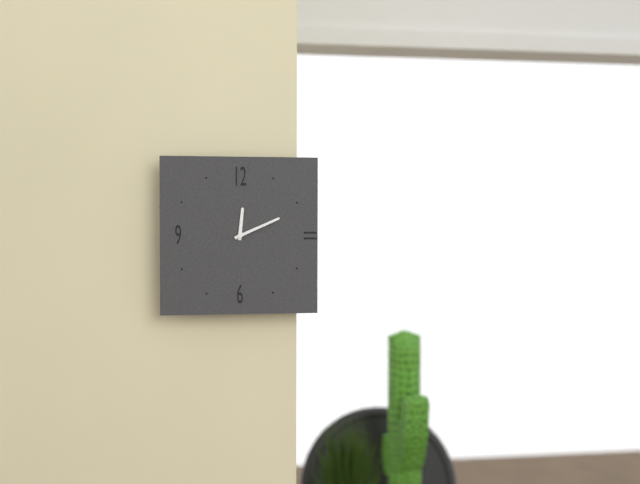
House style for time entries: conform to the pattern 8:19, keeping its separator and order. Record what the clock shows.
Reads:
12:11
